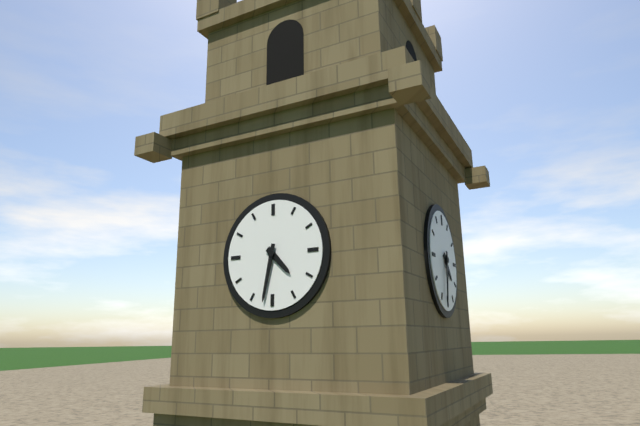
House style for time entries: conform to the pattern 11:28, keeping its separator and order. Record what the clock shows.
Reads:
4:32
